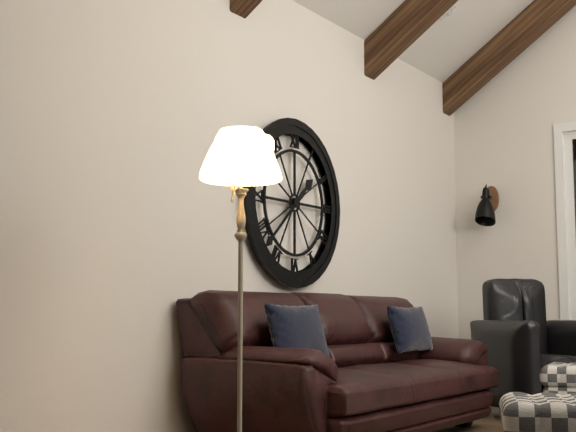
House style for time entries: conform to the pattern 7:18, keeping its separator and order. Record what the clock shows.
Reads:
1:38
